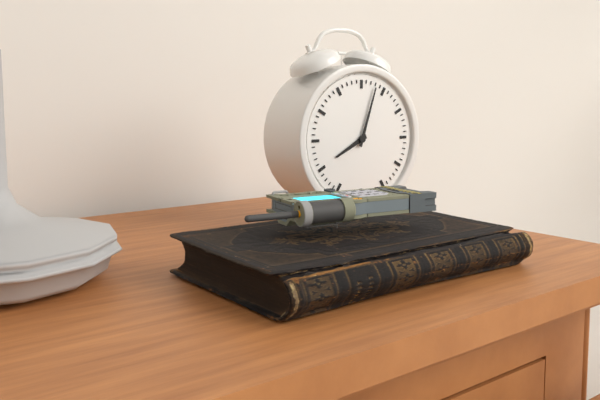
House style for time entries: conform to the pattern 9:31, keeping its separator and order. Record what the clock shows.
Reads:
8:03
